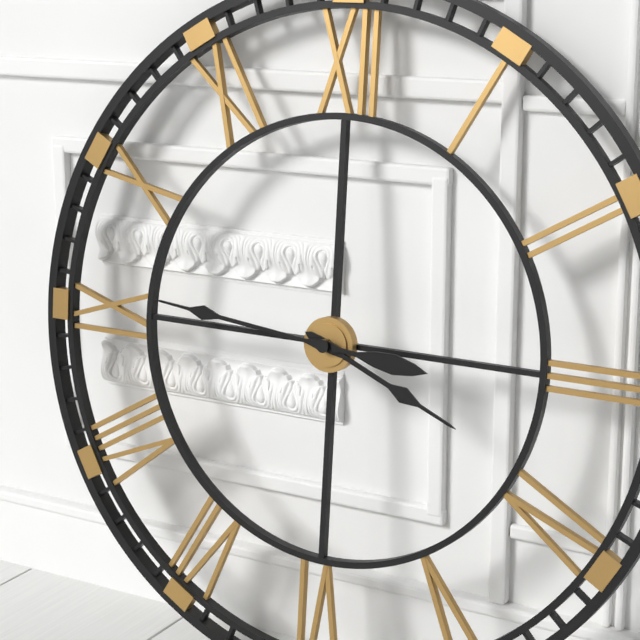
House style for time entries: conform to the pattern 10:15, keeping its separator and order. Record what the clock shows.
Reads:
3:46
